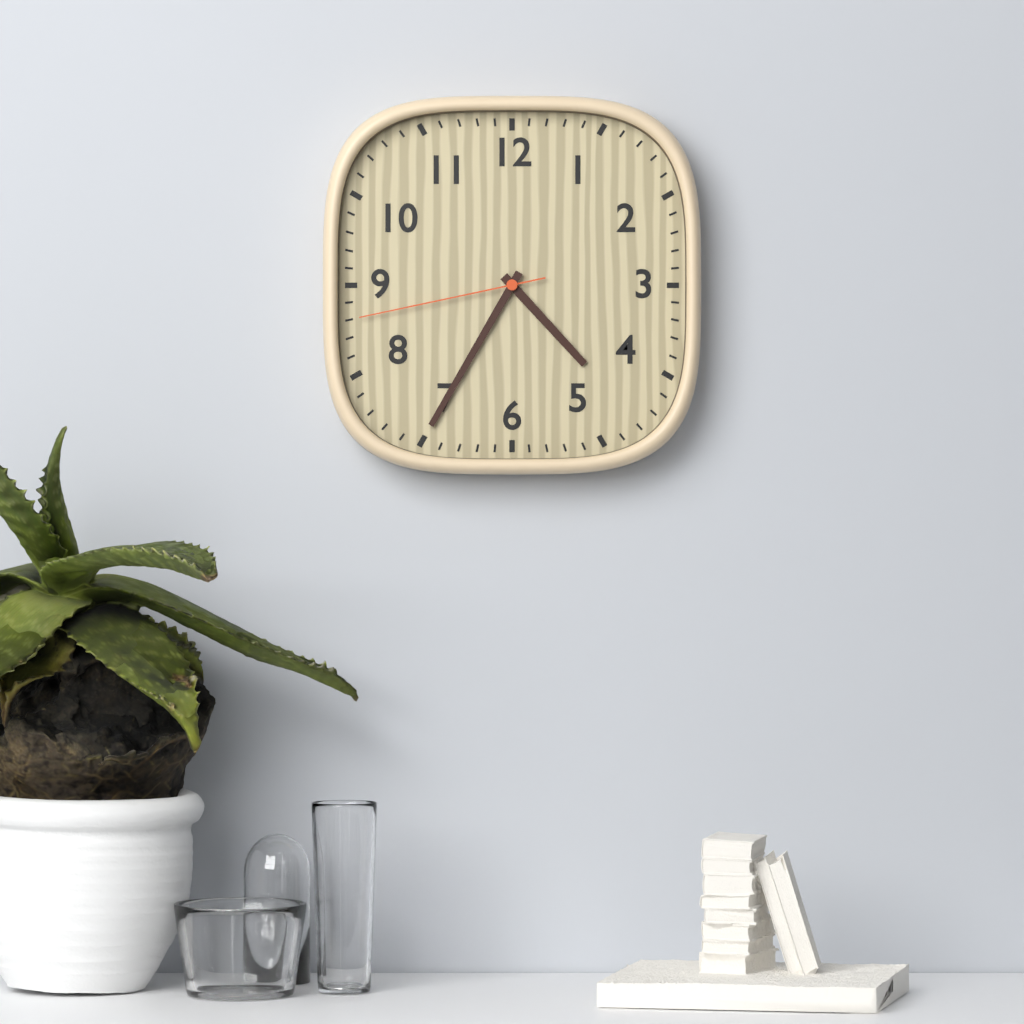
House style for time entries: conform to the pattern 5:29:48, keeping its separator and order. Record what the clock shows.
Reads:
4:35:43
